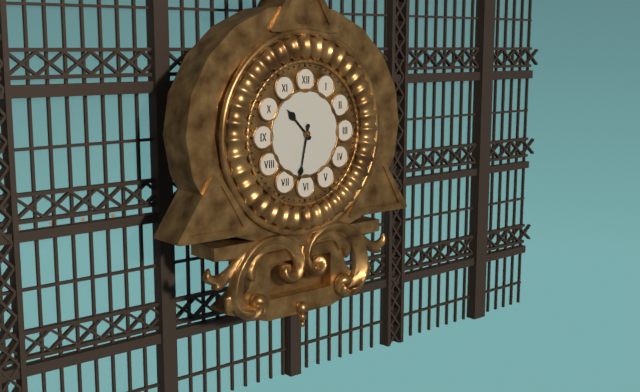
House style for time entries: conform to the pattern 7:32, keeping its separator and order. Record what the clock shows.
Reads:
10:32
